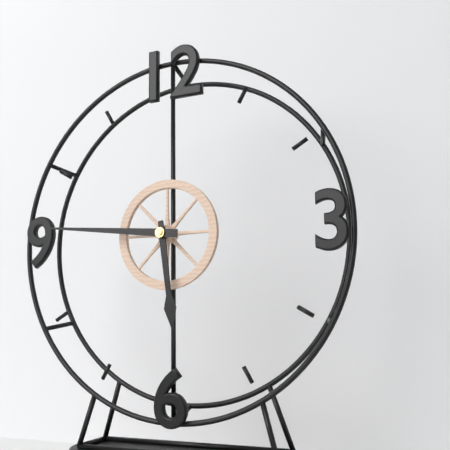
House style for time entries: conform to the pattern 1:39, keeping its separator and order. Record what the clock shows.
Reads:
5:46
